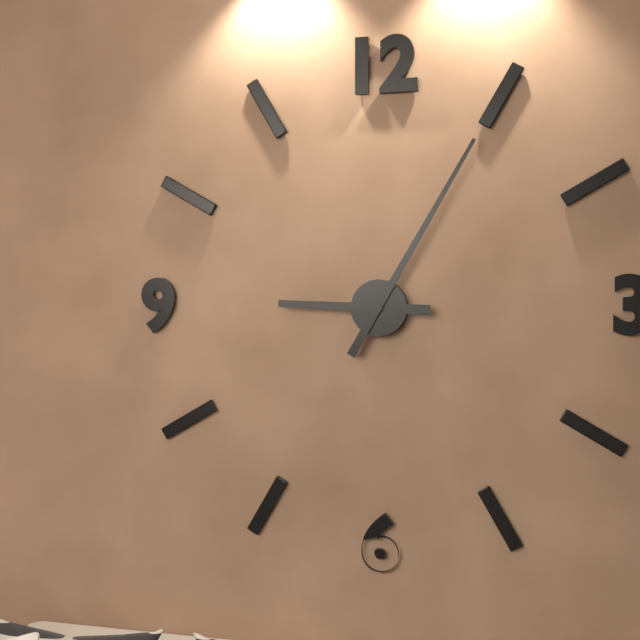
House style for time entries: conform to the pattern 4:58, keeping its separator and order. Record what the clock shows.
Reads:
9:05
